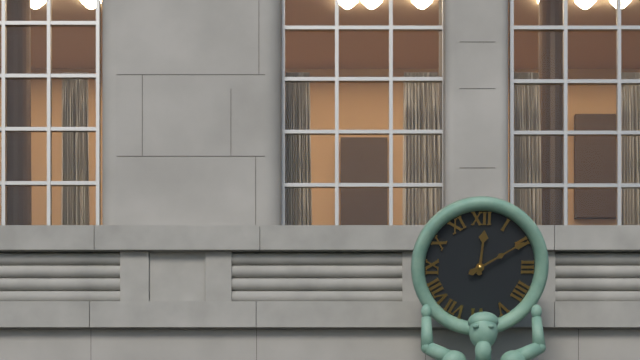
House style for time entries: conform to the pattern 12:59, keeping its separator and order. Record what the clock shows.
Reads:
12:10
